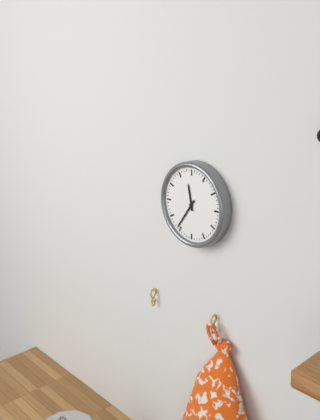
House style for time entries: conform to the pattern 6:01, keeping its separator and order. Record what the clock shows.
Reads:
11:36
